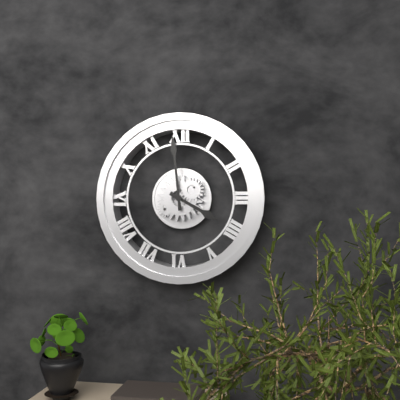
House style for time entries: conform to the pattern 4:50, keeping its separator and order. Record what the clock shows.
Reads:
3:59
